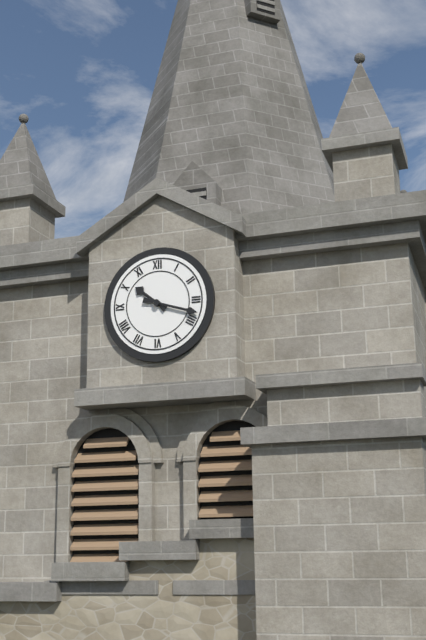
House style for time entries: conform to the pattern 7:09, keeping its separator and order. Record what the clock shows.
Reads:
10:18
